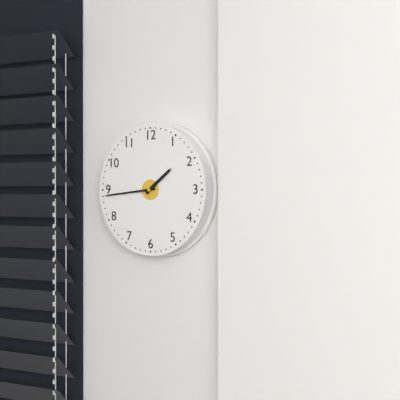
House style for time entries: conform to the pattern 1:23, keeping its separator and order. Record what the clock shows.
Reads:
1:44
